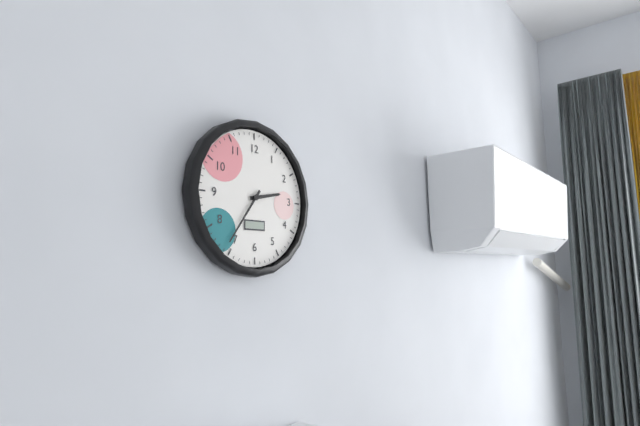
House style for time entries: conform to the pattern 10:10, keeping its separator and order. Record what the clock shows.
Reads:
2:36
